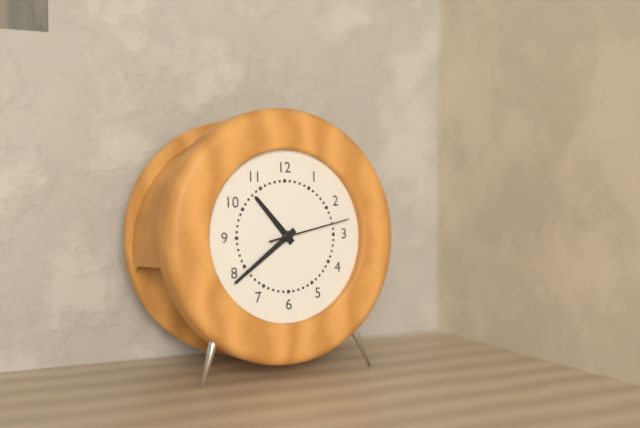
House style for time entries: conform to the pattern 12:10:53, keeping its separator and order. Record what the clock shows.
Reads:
10:39:13
